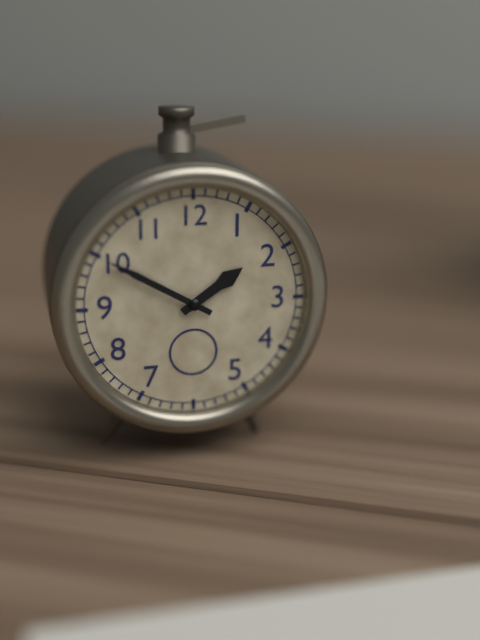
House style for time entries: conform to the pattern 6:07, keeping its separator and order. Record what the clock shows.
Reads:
1:50
